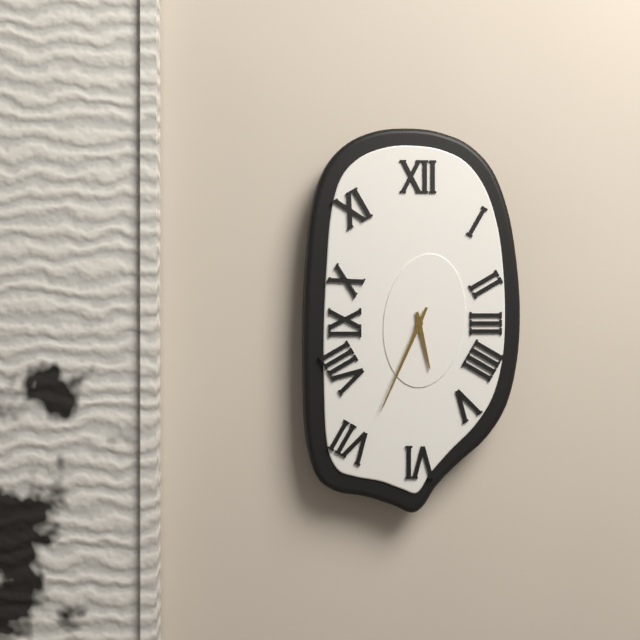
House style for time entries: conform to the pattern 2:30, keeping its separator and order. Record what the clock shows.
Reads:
5:34
